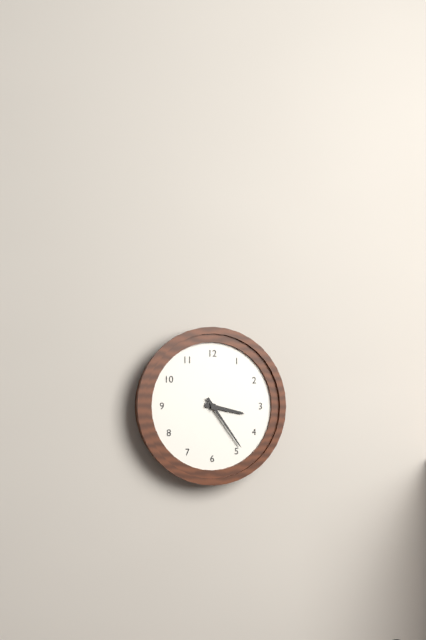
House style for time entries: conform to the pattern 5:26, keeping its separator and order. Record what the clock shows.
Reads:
3:24
